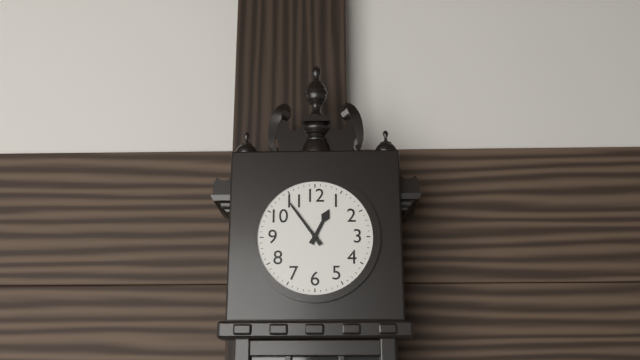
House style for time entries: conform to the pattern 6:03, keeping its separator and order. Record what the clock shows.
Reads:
12:54
